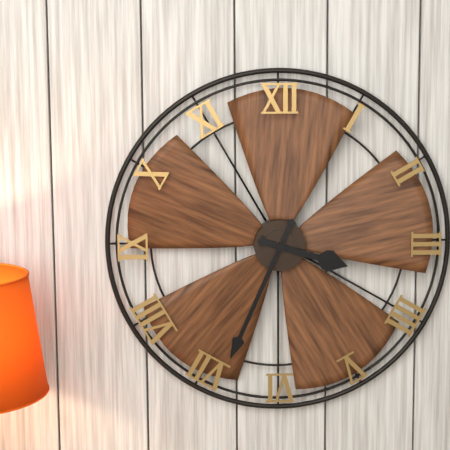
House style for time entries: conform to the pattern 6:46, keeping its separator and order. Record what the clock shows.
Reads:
3:34
